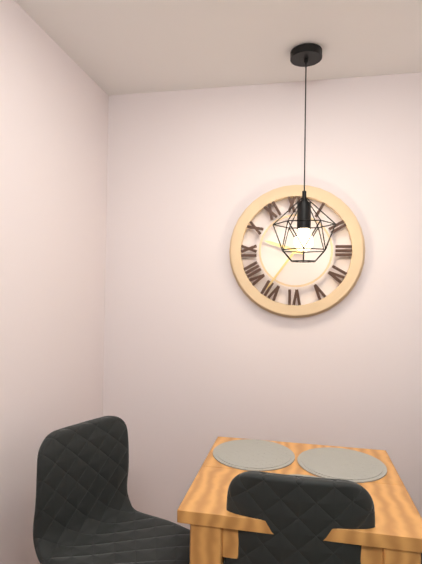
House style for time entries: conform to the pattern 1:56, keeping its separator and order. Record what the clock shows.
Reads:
9:36
